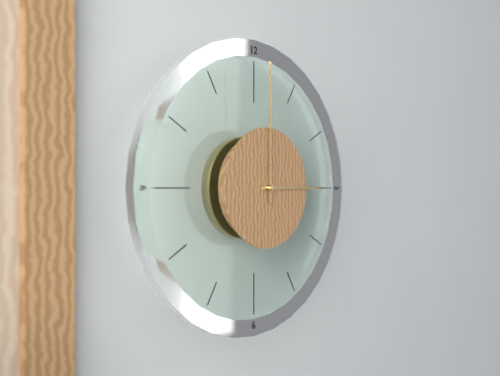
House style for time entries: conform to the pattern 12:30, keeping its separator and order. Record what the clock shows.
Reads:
3:00
